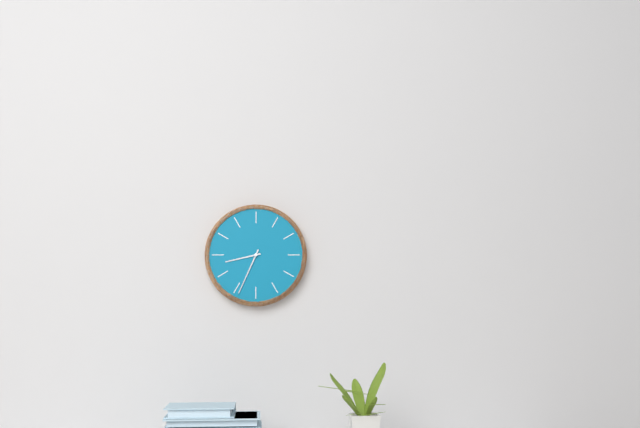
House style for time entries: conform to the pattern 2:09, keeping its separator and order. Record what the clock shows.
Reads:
8:34
